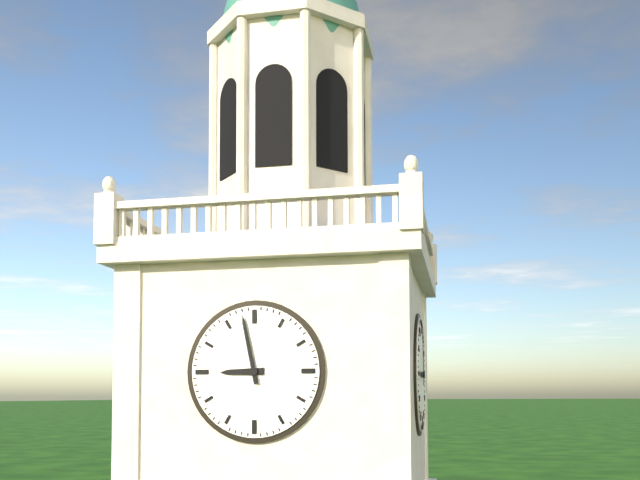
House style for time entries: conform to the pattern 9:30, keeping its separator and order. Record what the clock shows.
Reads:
8:58
